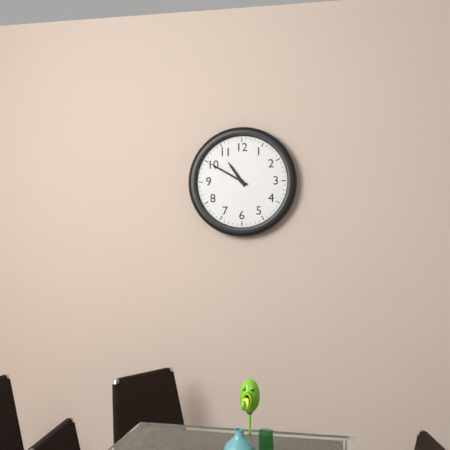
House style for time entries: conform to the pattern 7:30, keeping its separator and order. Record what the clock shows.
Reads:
10:50
